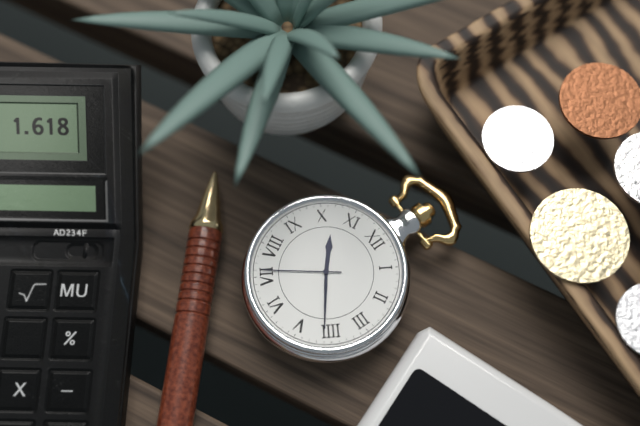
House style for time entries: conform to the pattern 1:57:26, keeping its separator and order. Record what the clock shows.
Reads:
10:21:36
